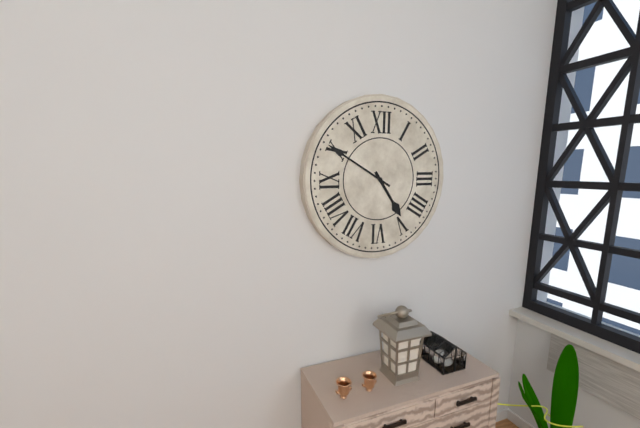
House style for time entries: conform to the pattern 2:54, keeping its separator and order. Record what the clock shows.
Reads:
4:50
